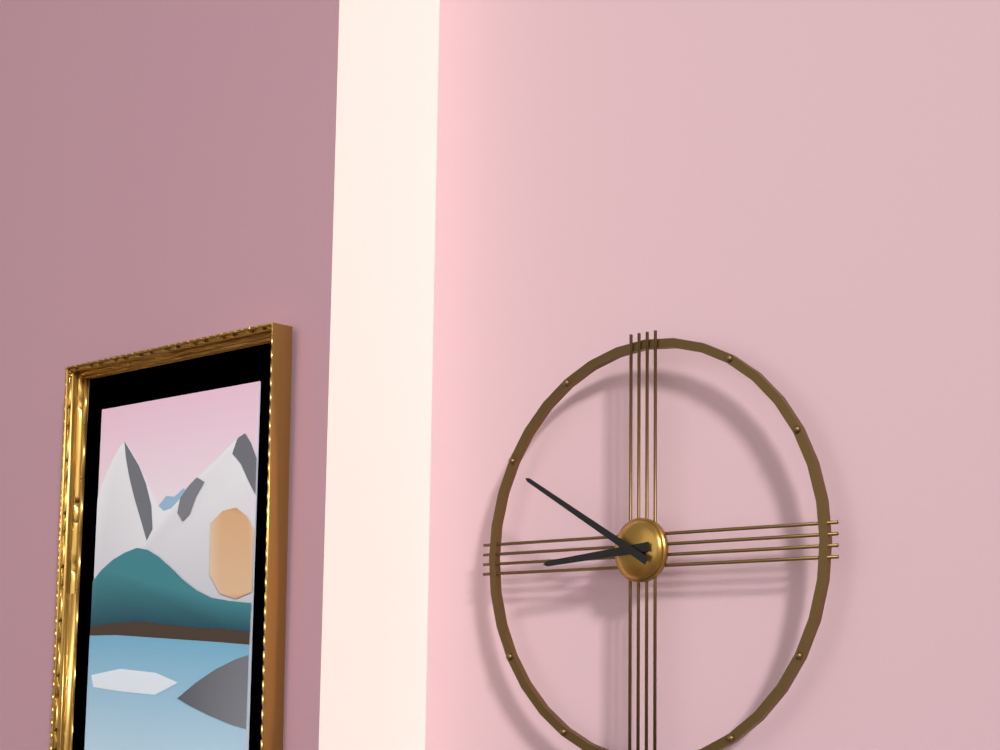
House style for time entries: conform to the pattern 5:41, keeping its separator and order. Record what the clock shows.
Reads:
8:50
